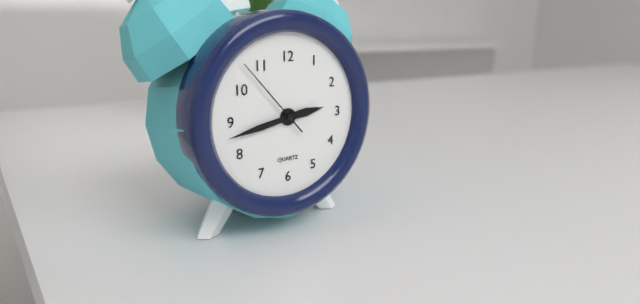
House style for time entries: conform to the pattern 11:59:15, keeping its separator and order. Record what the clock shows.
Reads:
2:43:53
